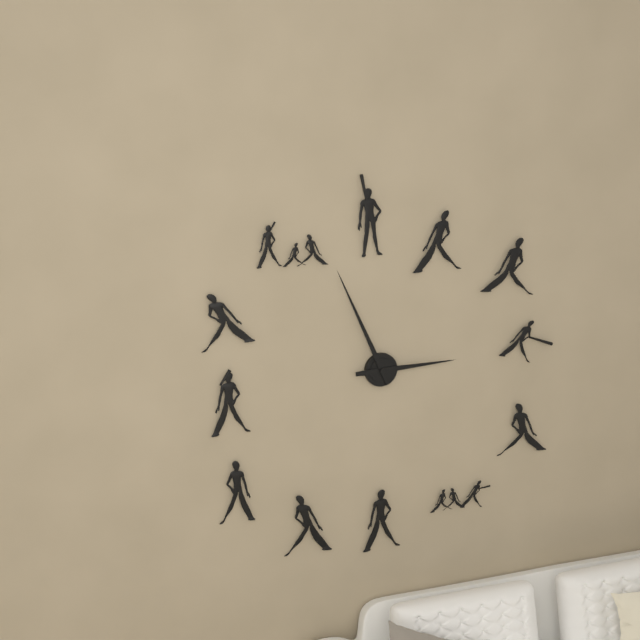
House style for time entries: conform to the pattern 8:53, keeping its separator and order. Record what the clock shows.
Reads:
2:56
